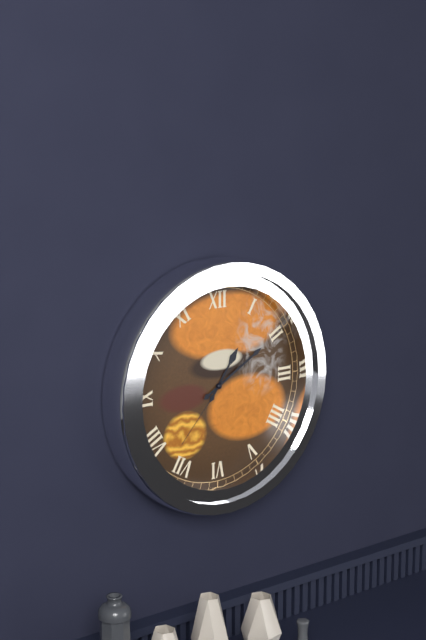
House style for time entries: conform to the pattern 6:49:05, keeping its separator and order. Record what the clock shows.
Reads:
1:10:37
